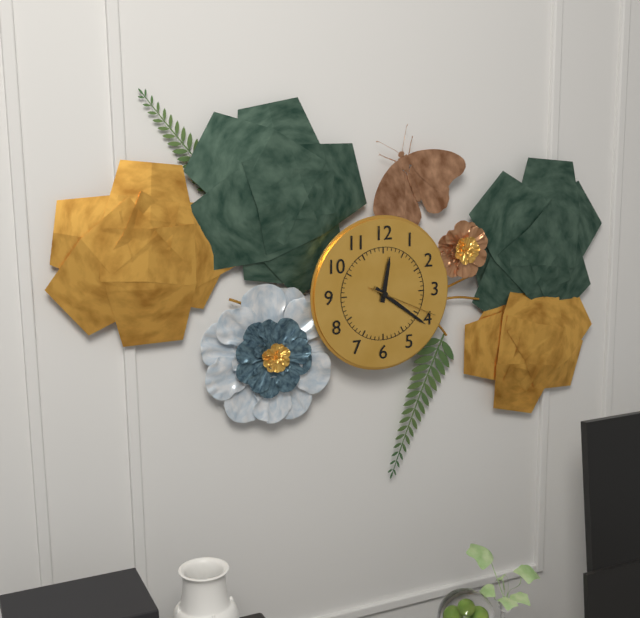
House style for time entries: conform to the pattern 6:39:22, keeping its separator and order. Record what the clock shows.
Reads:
12:21:19
